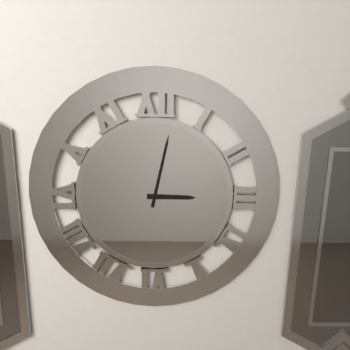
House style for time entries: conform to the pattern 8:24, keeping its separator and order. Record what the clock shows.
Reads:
3:02
